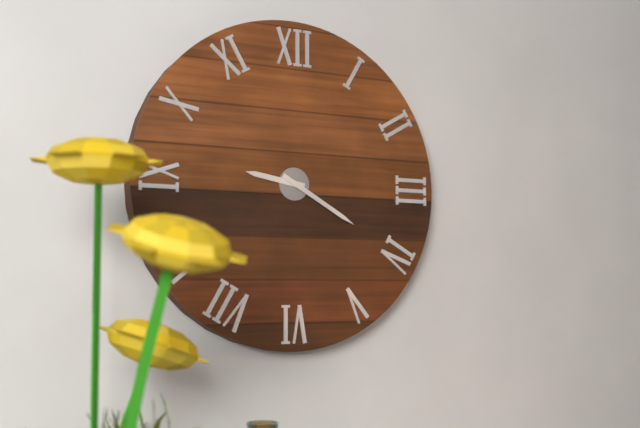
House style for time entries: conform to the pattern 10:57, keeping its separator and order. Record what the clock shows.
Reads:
9:20
